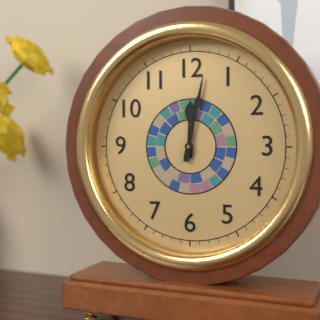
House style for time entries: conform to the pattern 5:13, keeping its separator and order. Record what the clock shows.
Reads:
12:02
